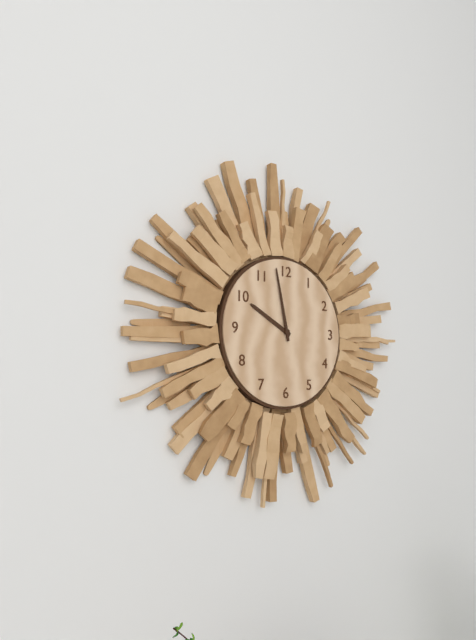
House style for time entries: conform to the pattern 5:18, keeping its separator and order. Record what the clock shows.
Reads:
9:58
